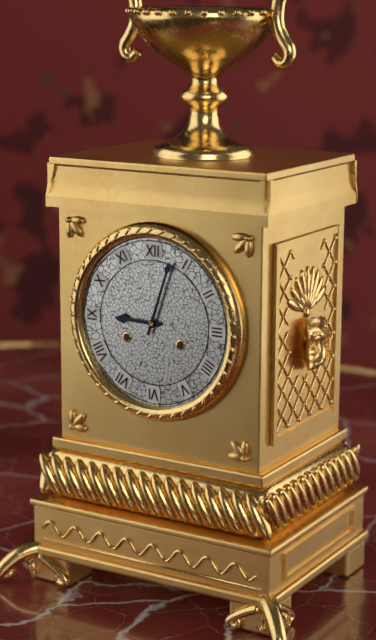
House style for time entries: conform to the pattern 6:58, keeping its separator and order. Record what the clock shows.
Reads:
9:03
